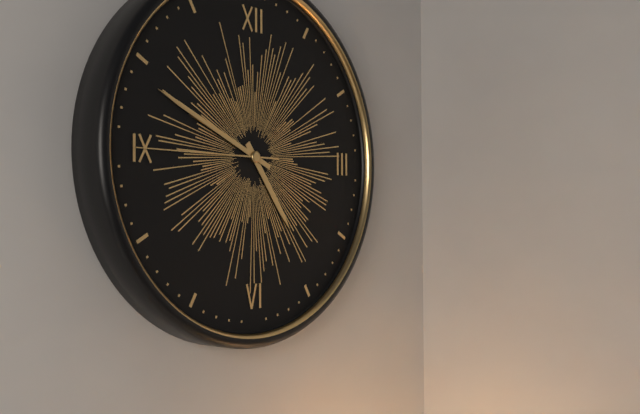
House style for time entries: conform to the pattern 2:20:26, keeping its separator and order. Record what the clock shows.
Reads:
4:49:45
